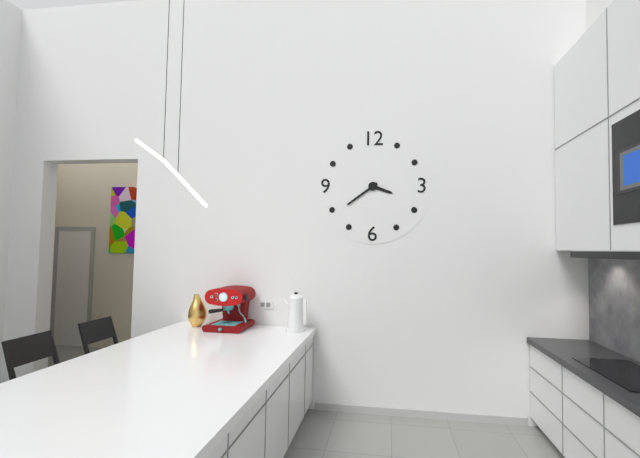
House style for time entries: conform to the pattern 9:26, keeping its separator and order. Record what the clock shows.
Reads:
3:39
